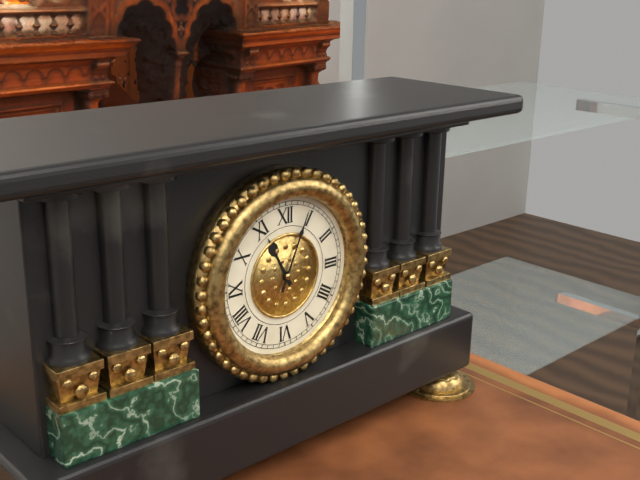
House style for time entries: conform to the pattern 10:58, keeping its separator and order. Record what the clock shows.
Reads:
11:04
